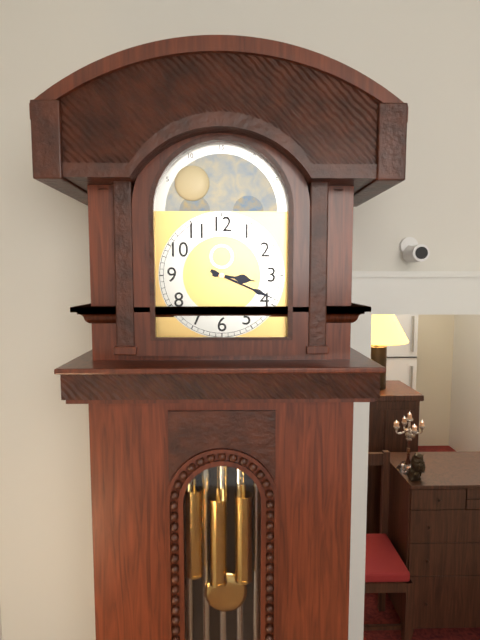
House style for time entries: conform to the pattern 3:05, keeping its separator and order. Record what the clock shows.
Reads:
3:19
